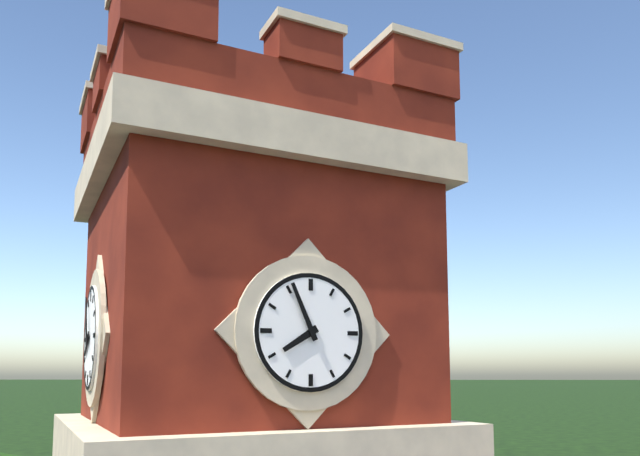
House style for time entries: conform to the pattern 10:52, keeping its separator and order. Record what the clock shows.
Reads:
7:56
